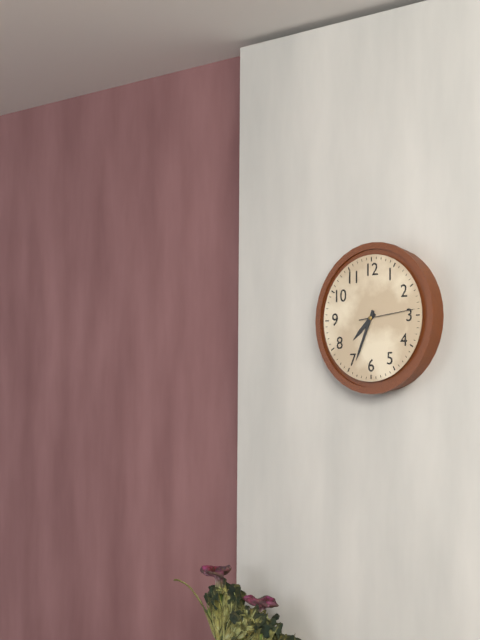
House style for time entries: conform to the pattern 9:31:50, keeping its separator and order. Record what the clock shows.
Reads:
7:34:14
